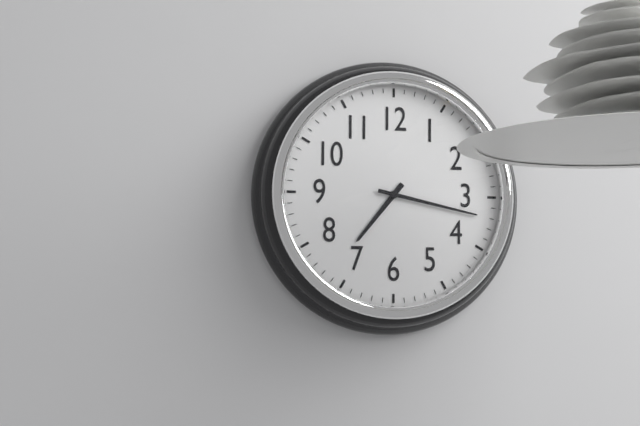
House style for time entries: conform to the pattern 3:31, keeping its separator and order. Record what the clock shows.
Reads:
7:17
